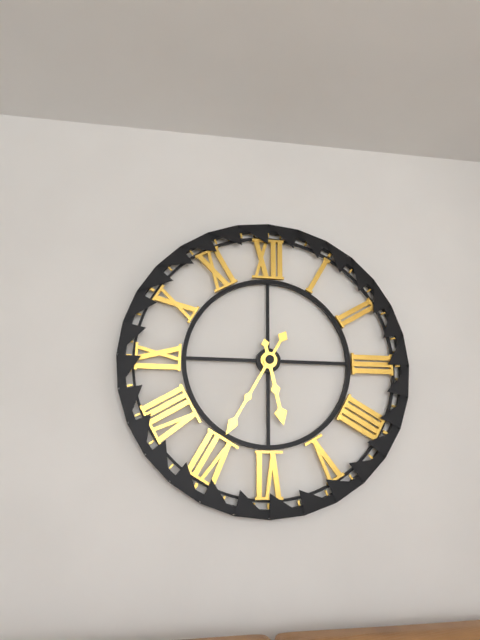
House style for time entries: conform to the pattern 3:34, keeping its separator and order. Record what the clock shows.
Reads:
5:35
